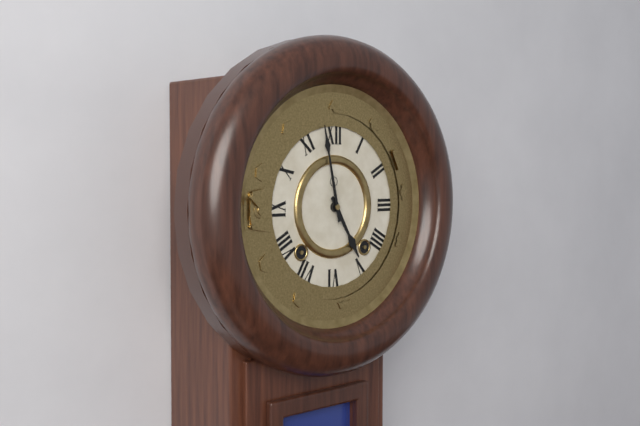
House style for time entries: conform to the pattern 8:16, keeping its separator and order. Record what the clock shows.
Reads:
4:58
